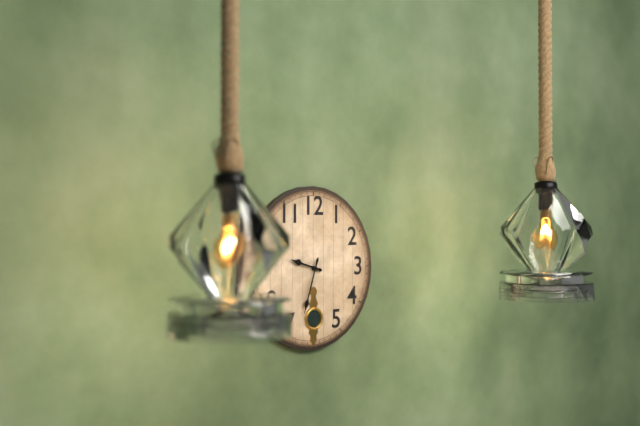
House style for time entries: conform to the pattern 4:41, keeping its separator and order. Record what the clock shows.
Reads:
9:33
